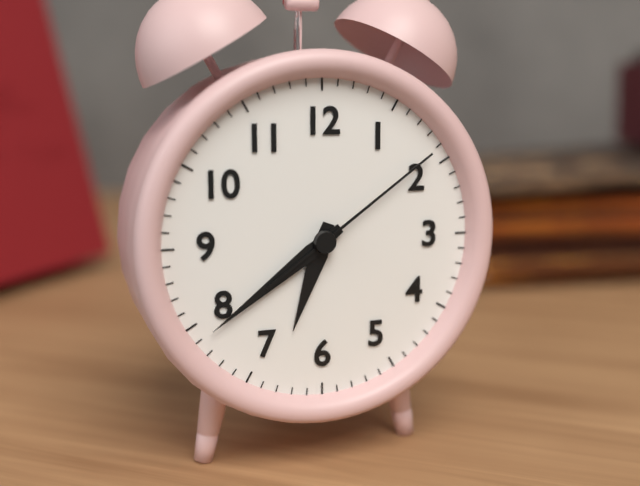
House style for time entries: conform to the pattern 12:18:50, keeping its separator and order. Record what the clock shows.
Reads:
6:39:09
